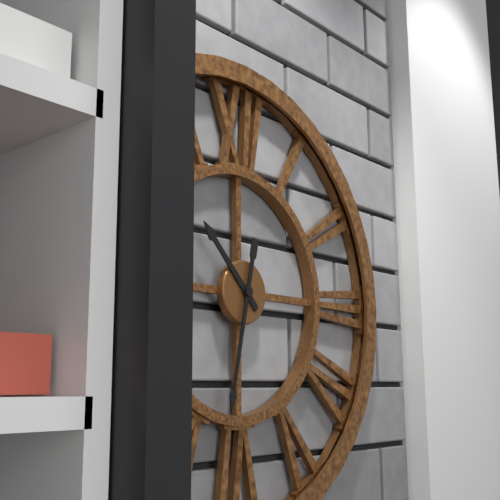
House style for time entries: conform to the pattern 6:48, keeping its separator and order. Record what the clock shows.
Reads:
10:32
